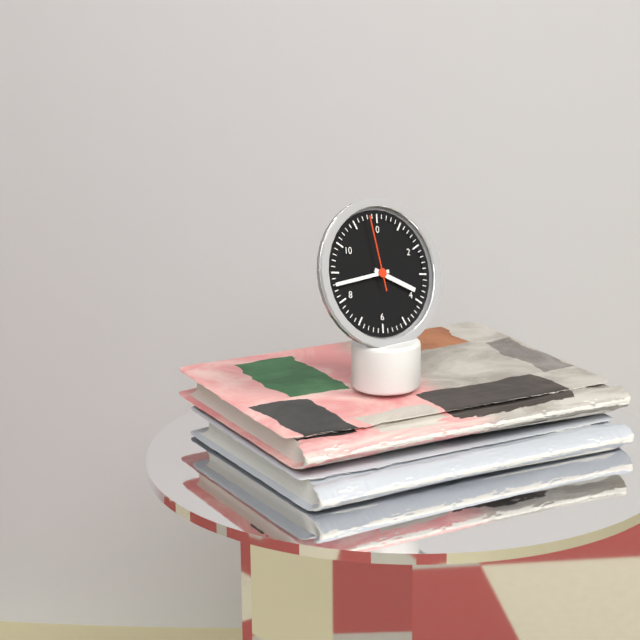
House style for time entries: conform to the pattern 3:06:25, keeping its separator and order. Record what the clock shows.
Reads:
3:43:58
